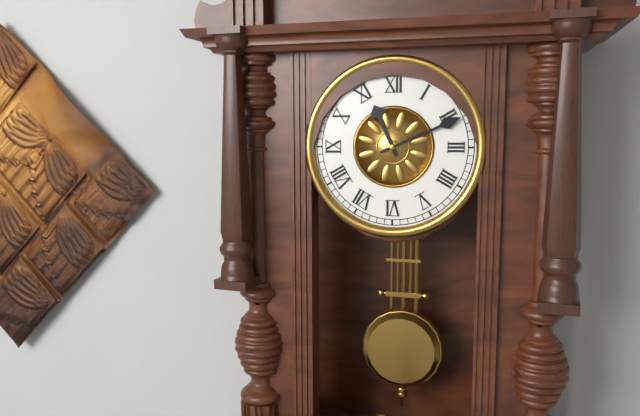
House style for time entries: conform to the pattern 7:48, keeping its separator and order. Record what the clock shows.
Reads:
11:11
